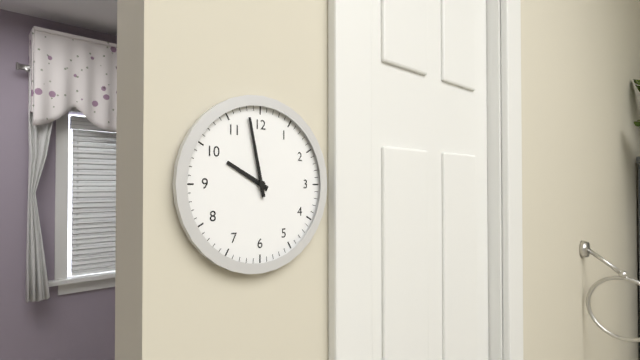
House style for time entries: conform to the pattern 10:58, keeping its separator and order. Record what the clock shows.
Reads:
9:58
